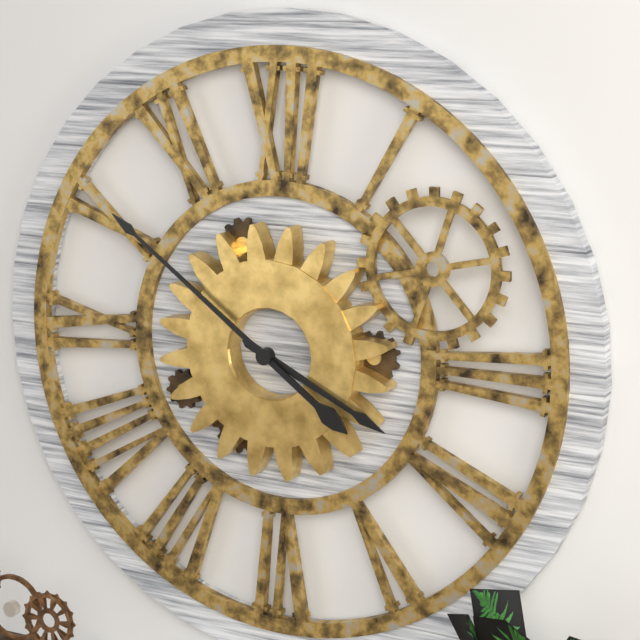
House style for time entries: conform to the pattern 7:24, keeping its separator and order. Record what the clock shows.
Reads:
3:51
